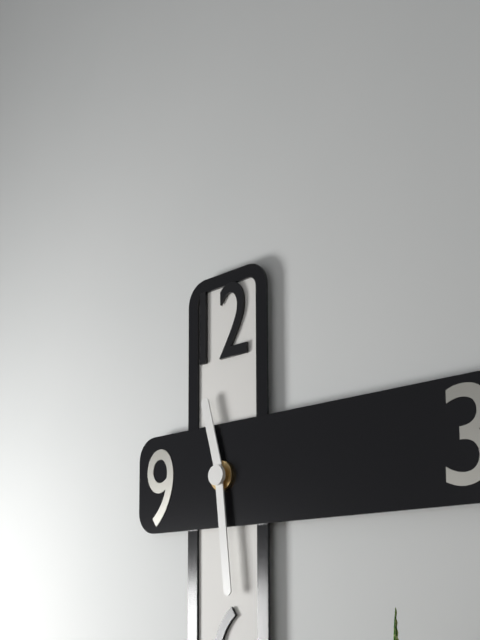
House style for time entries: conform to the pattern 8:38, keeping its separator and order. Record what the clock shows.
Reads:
11:29
